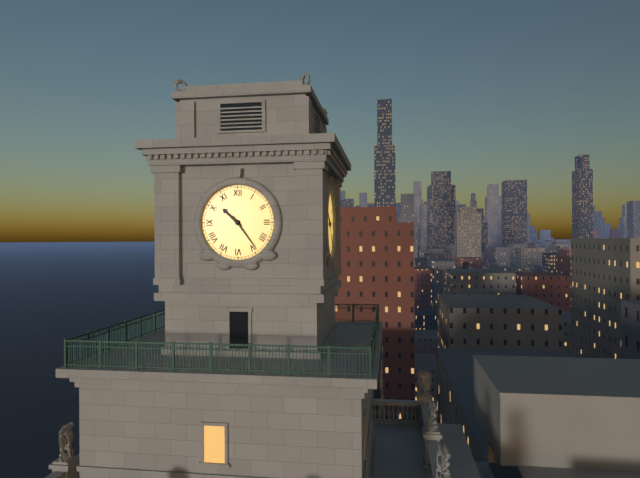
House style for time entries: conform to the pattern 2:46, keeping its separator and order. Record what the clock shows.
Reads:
10:24
